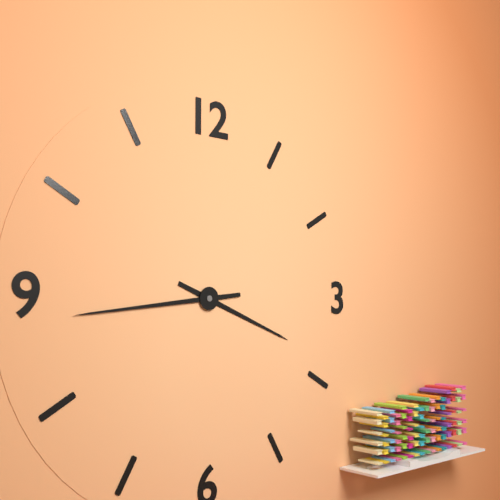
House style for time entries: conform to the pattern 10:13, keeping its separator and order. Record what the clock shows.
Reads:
3:44
